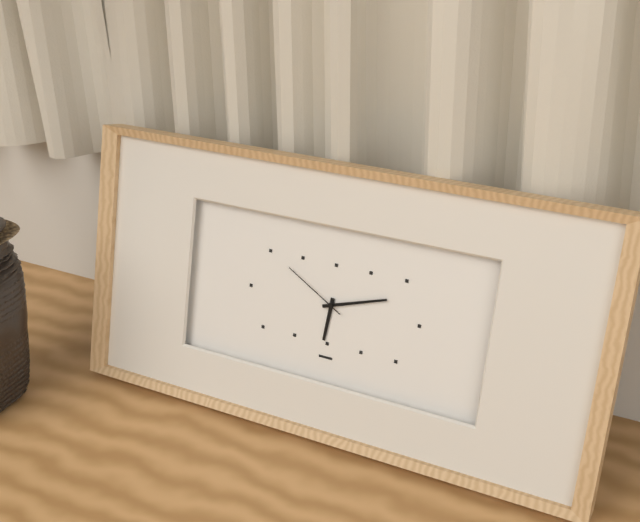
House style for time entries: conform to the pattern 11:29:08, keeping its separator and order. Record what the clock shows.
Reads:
6:12:50
